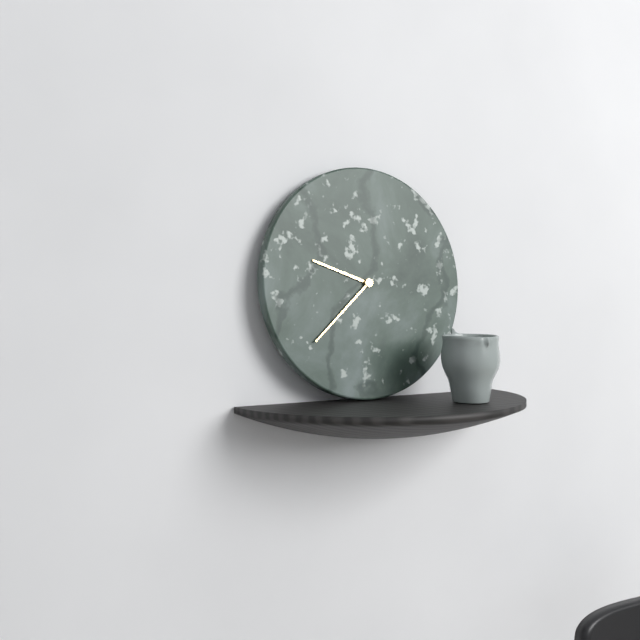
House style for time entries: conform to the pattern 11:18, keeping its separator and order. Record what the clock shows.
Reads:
9:38
